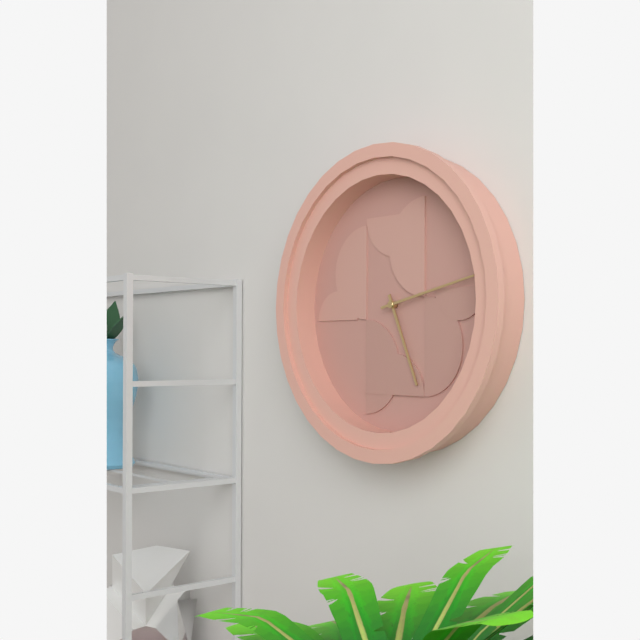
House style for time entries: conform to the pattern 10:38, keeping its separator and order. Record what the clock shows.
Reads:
5:13
